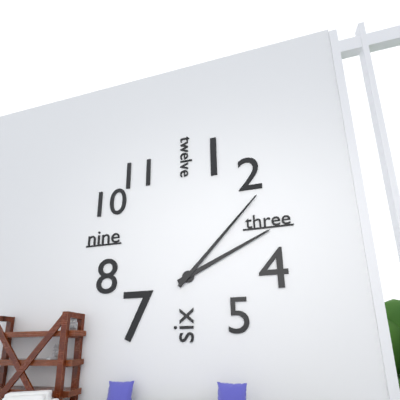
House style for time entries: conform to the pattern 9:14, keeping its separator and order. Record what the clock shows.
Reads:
2:07
